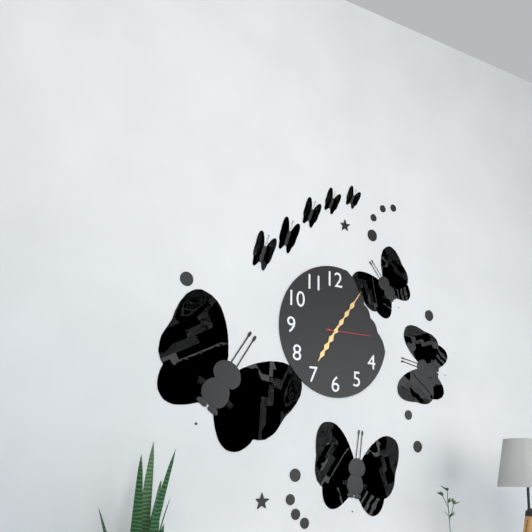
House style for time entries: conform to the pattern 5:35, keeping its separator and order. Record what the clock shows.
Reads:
7:06
